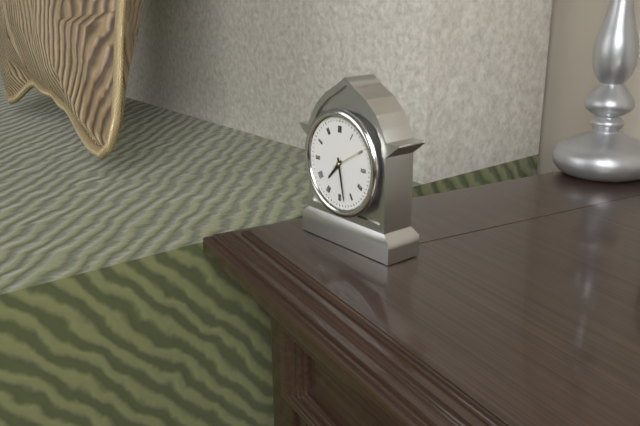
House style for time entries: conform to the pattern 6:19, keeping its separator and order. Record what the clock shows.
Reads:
7:28
